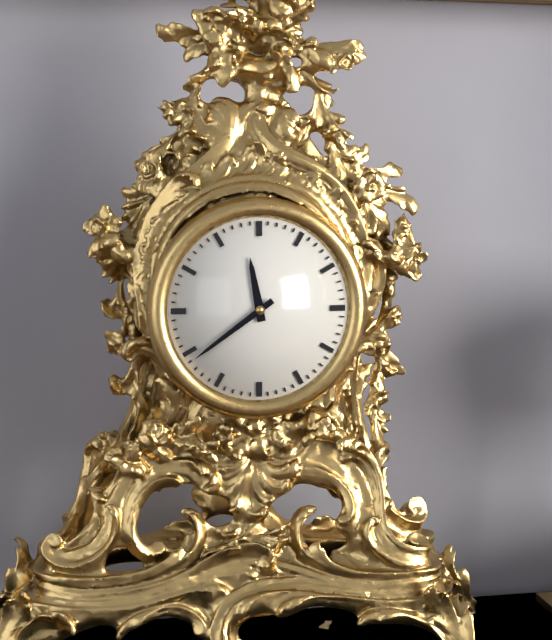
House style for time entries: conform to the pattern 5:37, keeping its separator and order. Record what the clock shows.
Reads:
11:39
